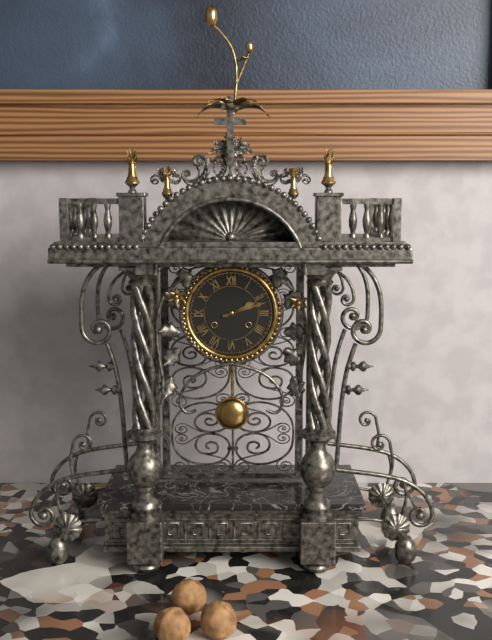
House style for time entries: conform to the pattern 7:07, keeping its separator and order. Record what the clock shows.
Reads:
2:12
